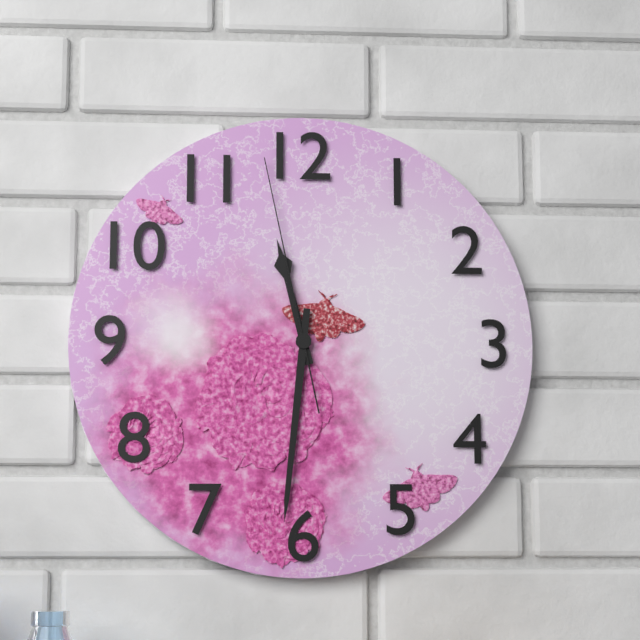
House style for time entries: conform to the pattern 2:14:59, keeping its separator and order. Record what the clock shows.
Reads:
11:31:58
